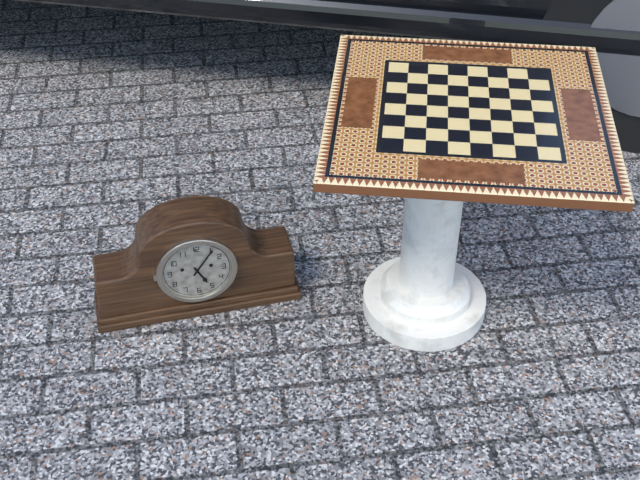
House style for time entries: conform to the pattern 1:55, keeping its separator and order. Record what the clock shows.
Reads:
5:06
